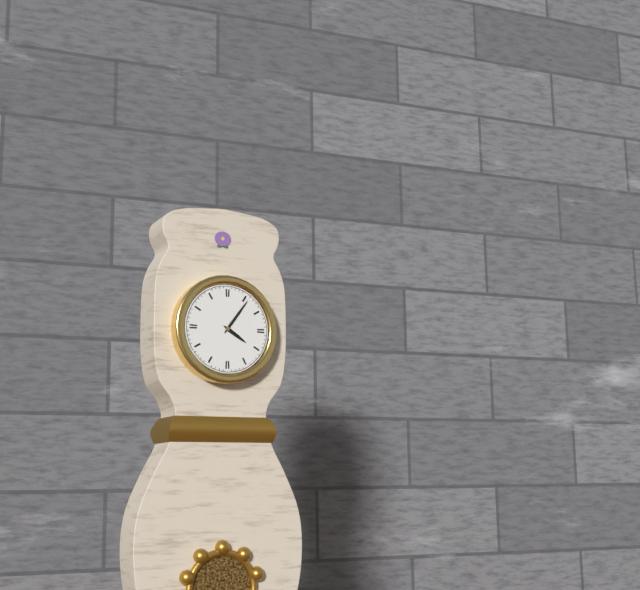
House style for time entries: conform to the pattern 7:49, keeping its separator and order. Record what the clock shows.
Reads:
4:06
